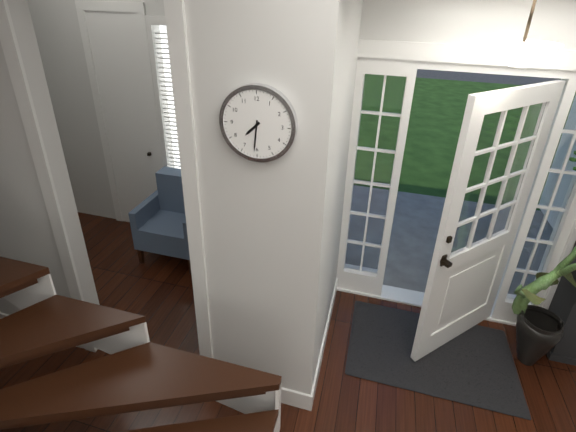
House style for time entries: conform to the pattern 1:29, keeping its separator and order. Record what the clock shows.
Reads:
7:31
